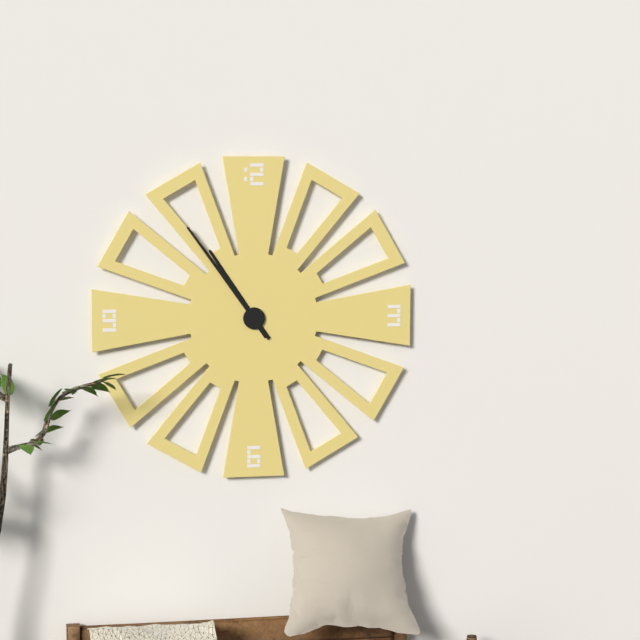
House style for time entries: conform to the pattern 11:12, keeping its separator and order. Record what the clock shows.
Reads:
10:54
